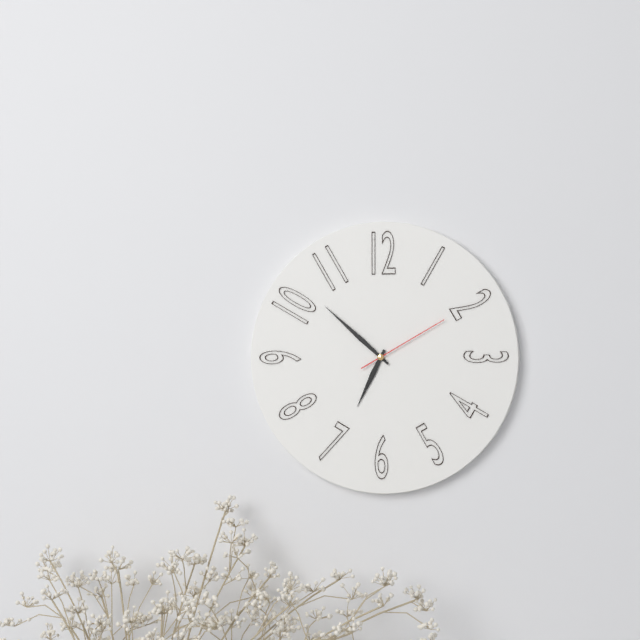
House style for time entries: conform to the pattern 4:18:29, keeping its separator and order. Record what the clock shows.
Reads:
6:52:10
